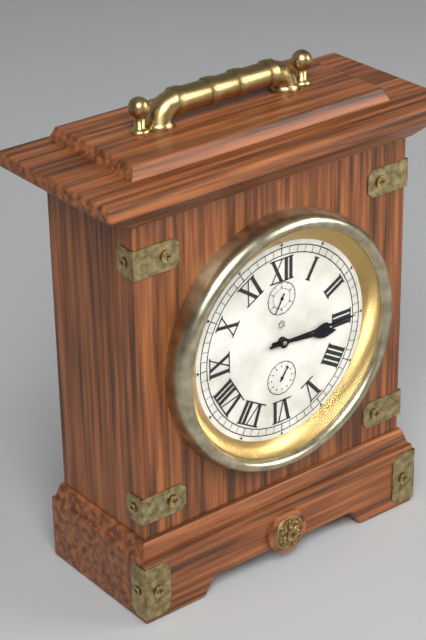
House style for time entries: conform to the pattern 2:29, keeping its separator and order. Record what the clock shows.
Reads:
3:15
